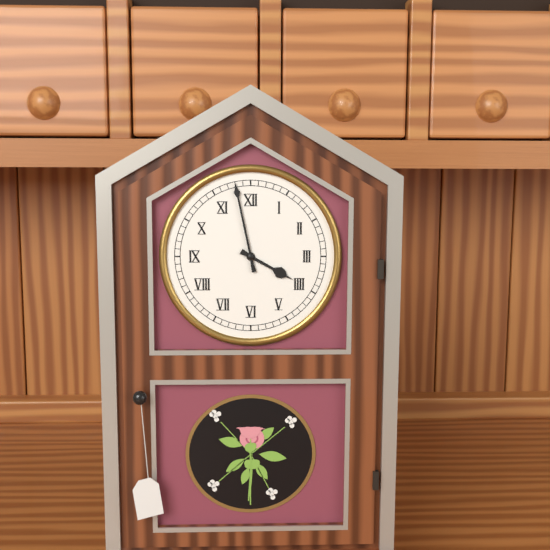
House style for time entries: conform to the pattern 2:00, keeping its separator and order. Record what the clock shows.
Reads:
3:58
